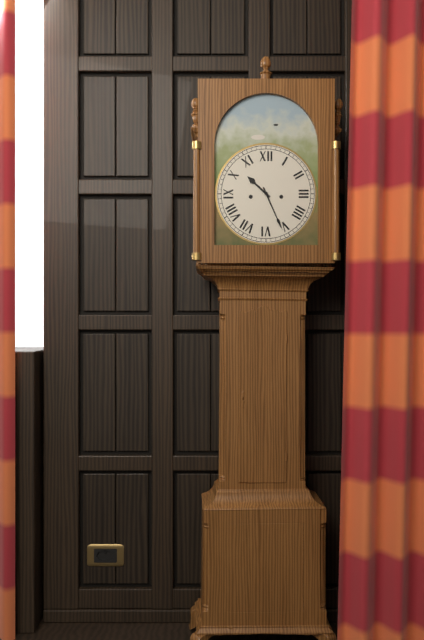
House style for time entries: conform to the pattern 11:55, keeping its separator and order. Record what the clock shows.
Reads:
10:26
